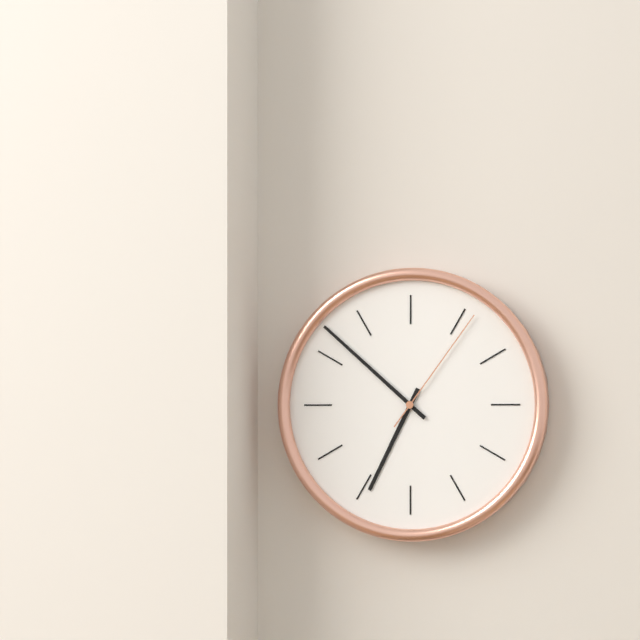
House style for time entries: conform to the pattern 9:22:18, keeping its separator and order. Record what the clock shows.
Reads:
6:52:06
